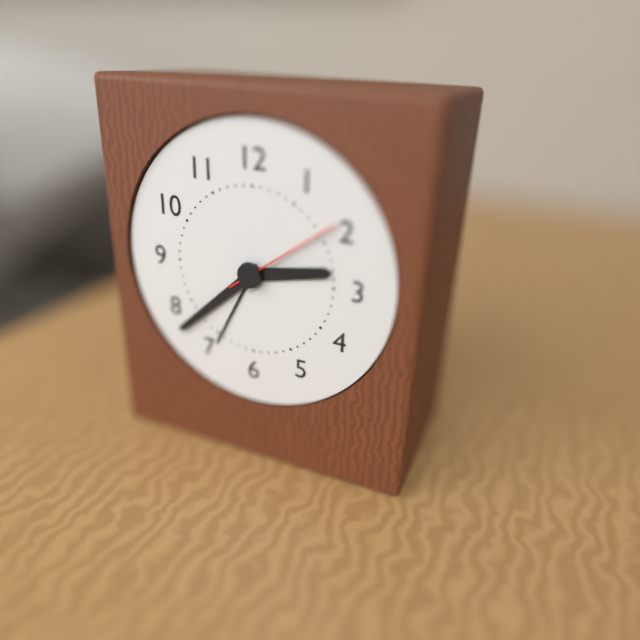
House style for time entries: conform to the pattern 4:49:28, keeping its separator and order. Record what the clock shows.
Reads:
2:38:09
